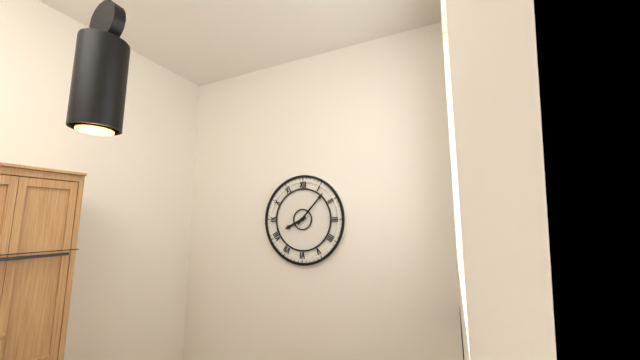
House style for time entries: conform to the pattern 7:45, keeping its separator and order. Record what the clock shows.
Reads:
8:07
